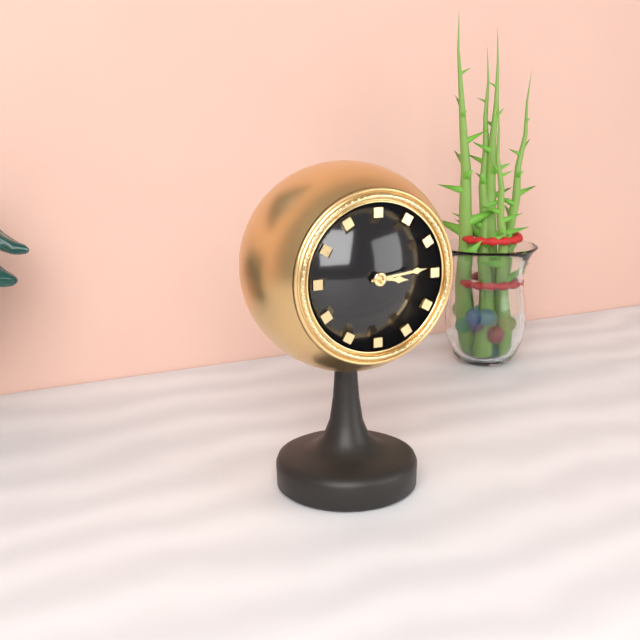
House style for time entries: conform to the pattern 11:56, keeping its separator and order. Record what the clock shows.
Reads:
3:14
